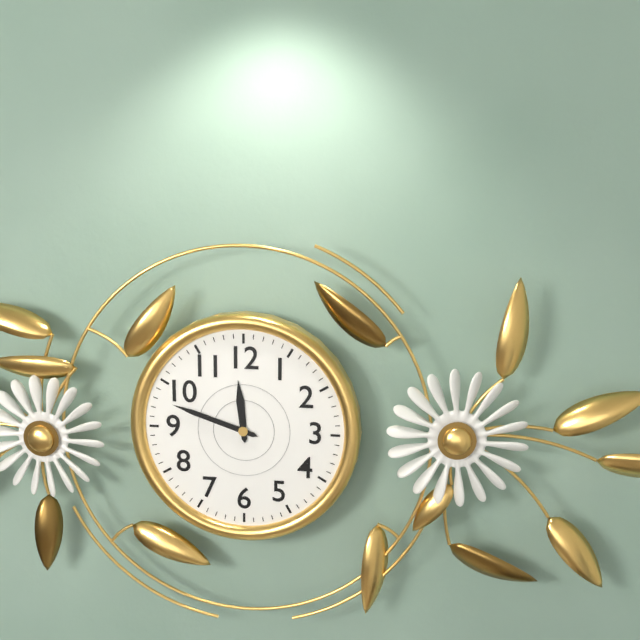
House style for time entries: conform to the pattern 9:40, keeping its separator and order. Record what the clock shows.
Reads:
11:48
